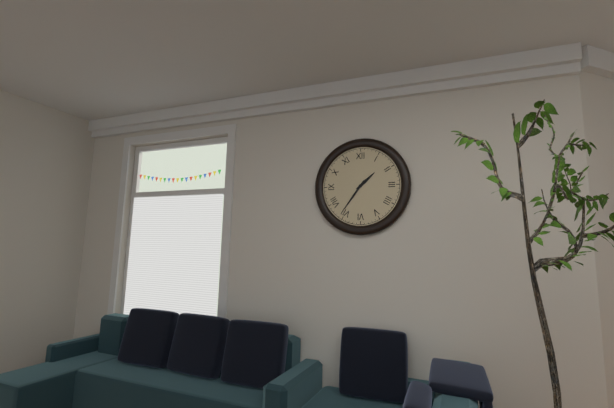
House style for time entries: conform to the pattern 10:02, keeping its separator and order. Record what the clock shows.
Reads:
1:36
